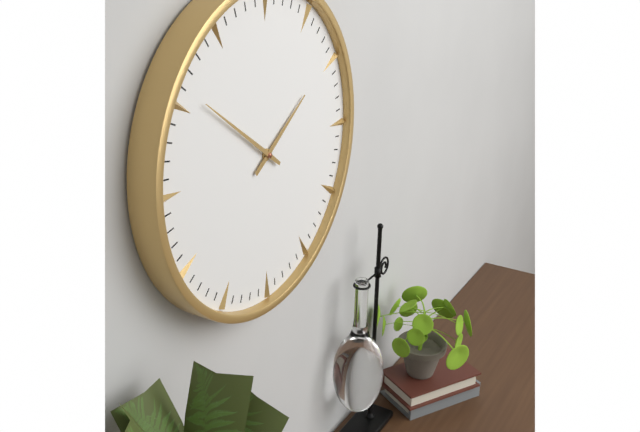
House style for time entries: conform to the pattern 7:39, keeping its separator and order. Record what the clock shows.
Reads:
1:51
